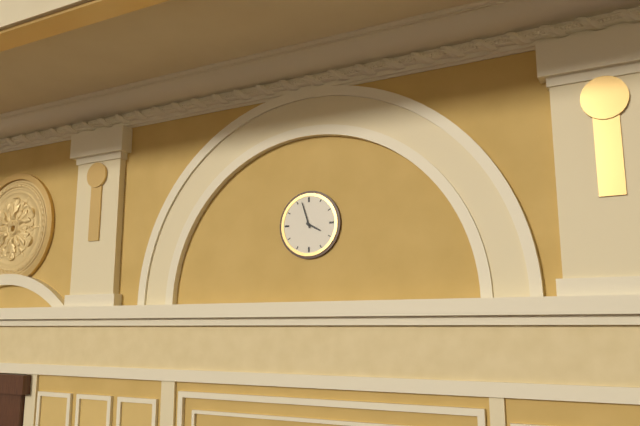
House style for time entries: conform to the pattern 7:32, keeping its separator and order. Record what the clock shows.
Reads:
3:57
